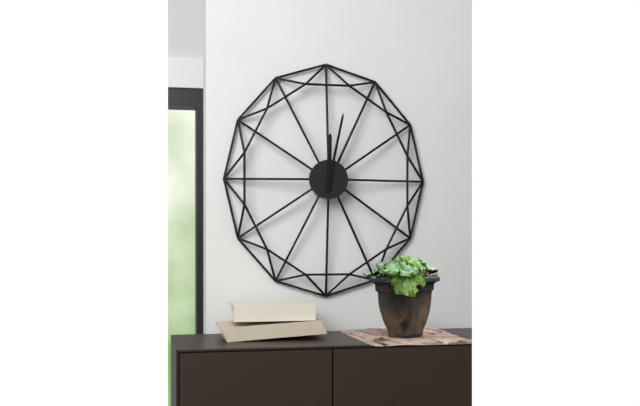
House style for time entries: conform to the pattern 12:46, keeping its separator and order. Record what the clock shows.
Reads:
12:02
